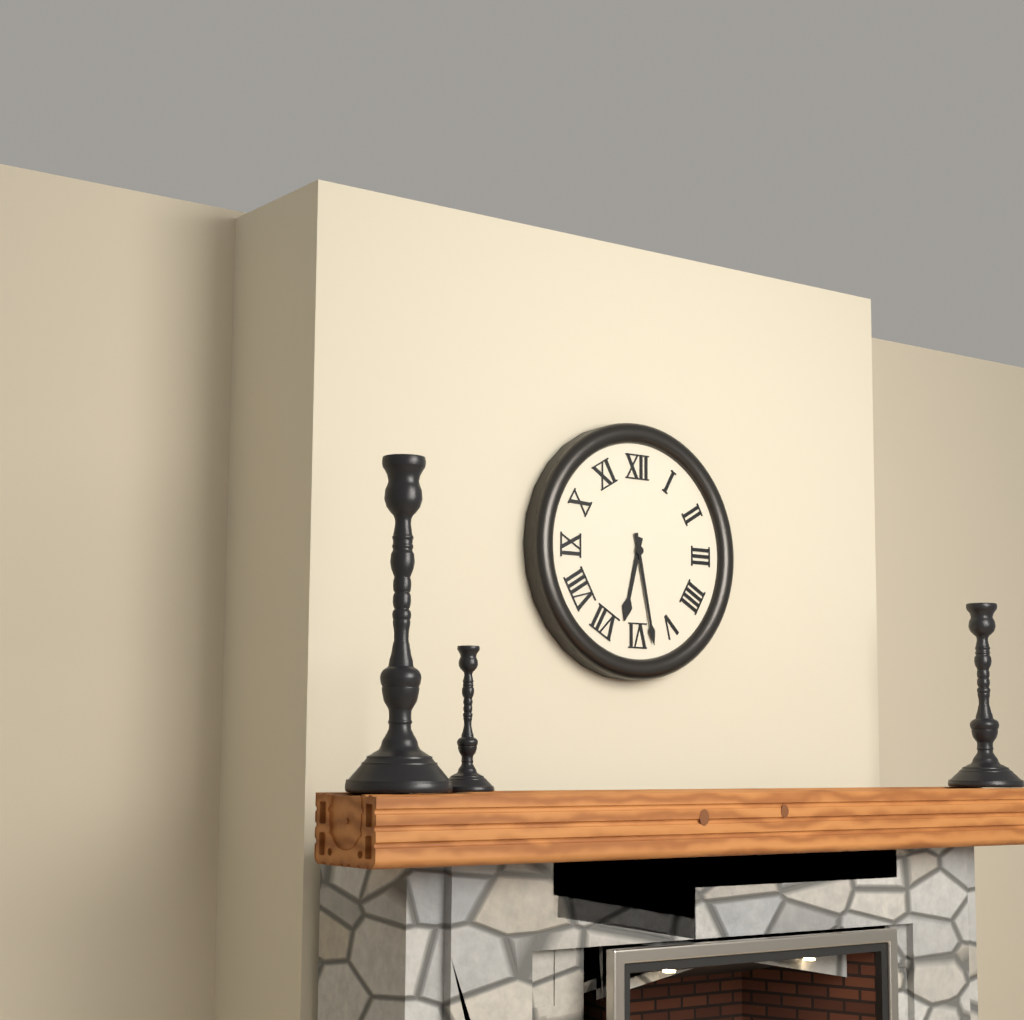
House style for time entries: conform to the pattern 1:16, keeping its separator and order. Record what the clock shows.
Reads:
6:28
